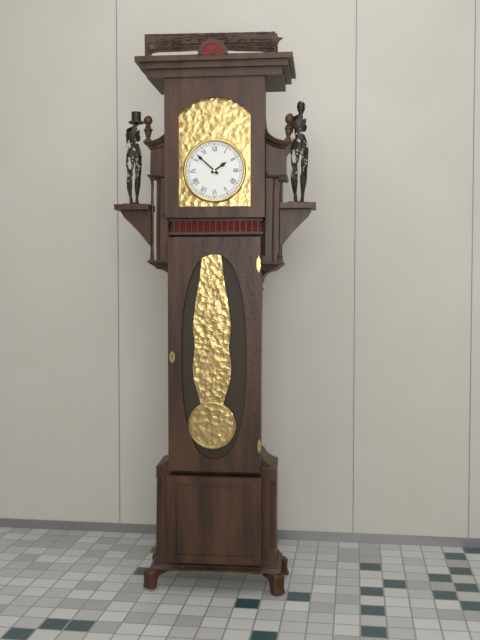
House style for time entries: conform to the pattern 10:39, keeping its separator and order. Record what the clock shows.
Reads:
1:52
